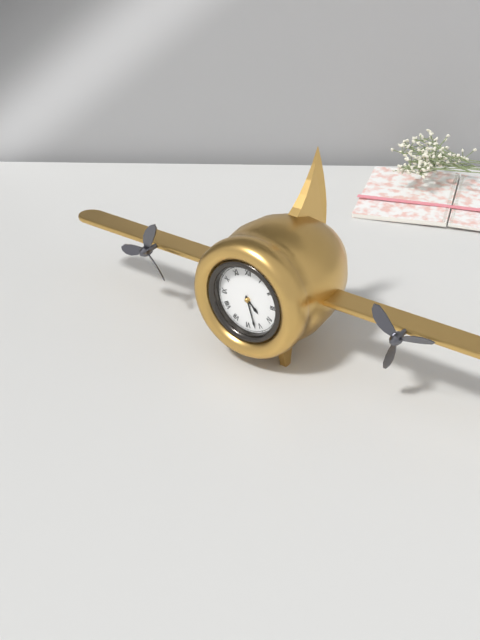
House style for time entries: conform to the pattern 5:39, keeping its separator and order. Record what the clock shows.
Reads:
4:27
